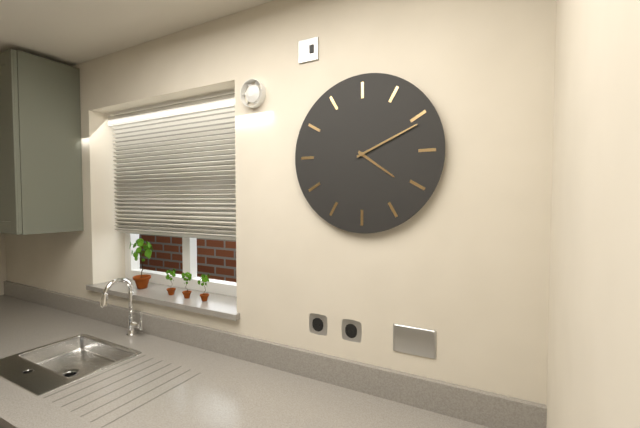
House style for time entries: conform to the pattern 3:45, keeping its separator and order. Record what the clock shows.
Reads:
4:11
